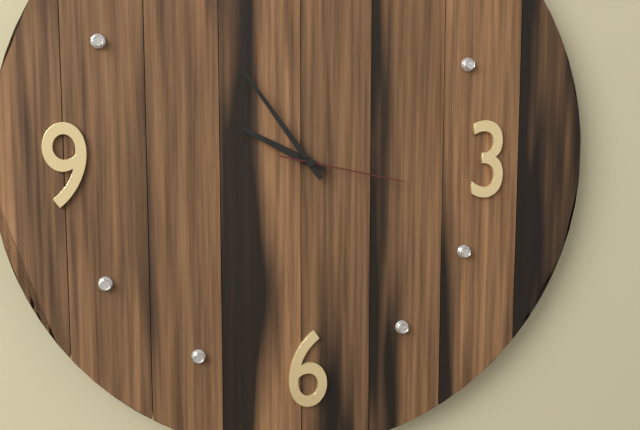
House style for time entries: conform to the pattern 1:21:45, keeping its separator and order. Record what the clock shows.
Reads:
9:54:17
